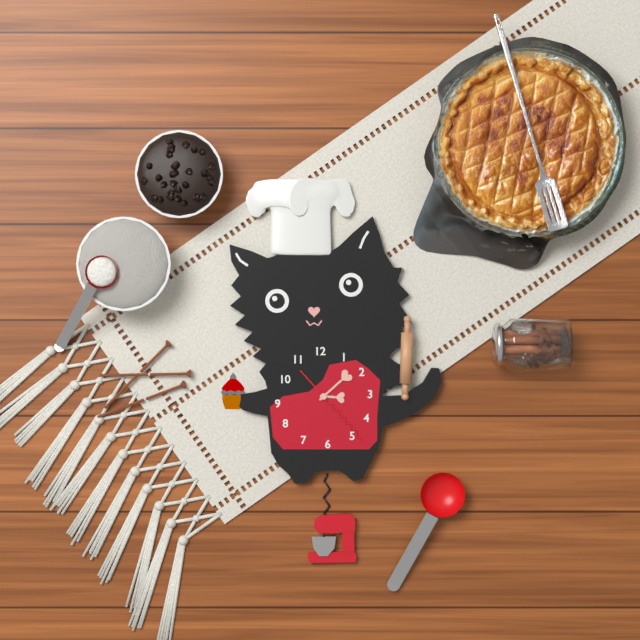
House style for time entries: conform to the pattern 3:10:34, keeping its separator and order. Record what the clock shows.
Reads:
3:08:23
